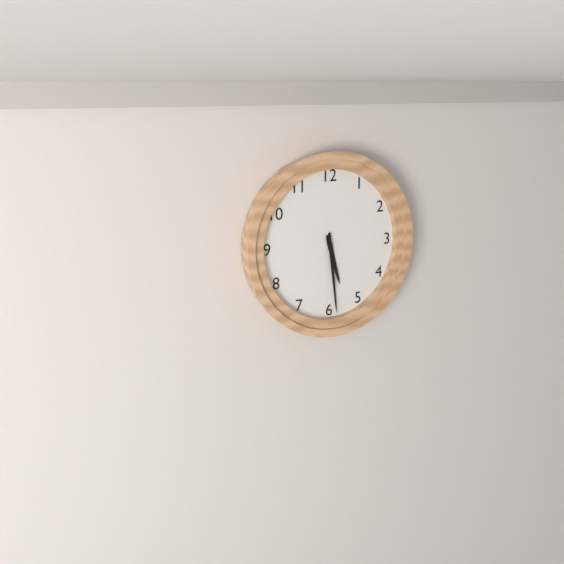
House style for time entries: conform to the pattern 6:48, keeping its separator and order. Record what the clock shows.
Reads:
5:29
